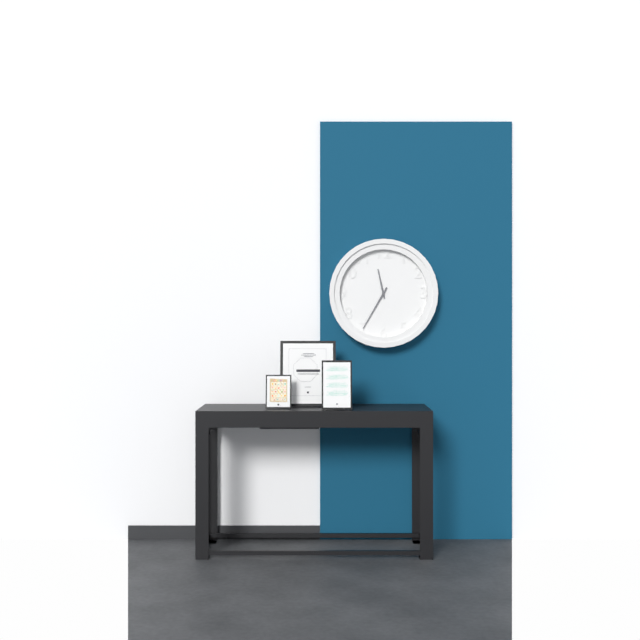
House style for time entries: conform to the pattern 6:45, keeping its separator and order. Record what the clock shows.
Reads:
11:35
